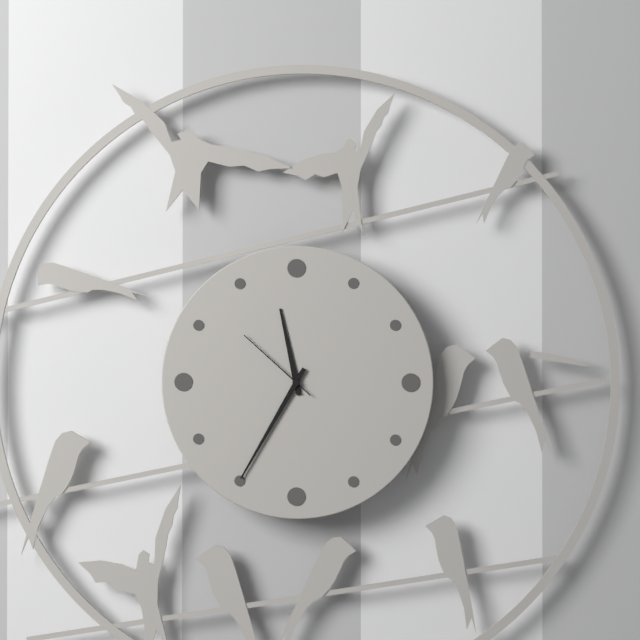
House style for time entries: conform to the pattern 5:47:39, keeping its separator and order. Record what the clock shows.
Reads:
11:35:52
